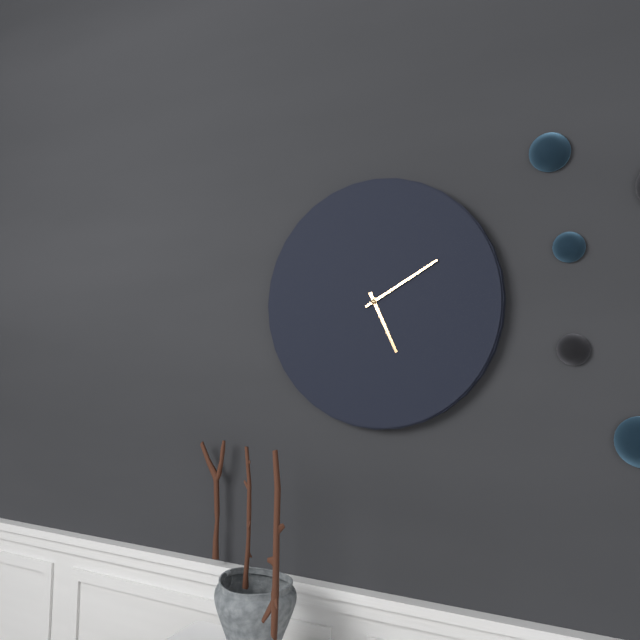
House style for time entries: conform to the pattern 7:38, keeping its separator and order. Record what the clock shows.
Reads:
5:10
